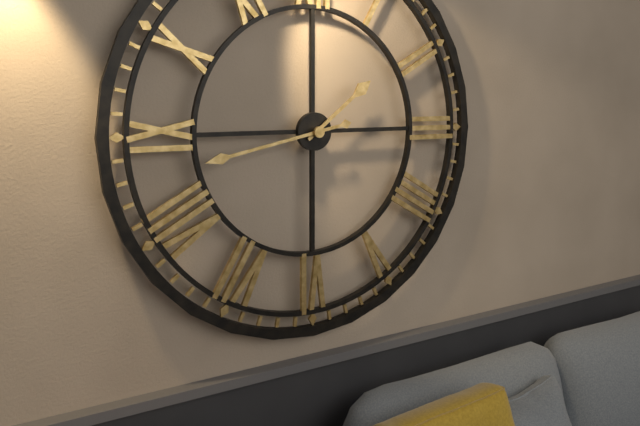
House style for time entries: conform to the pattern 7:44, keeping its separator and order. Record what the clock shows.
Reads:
1:43
